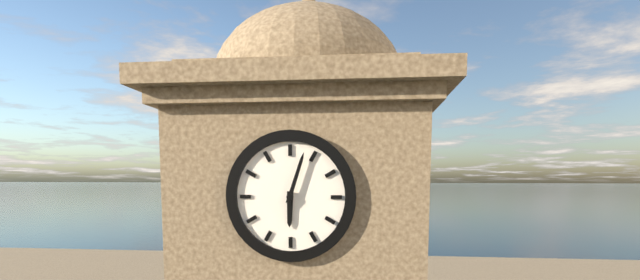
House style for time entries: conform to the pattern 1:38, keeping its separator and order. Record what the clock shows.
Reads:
6:03
